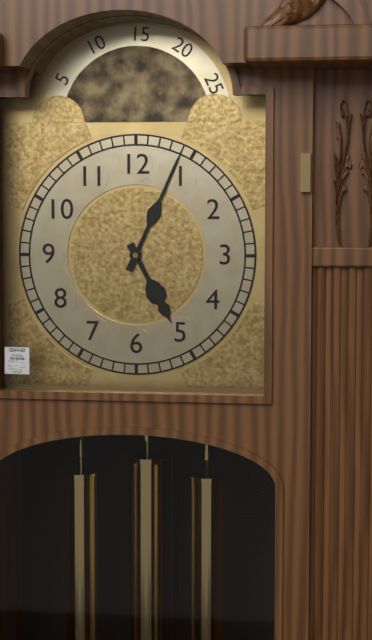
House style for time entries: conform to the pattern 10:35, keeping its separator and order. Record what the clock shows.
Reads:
5:04
